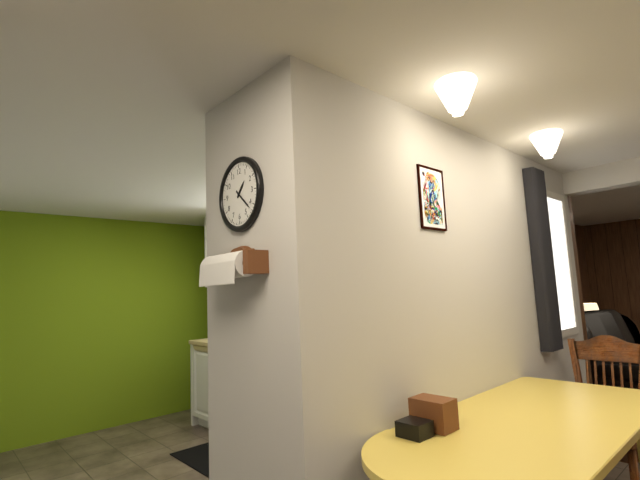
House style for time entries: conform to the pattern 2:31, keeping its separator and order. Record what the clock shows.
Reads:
1:22
